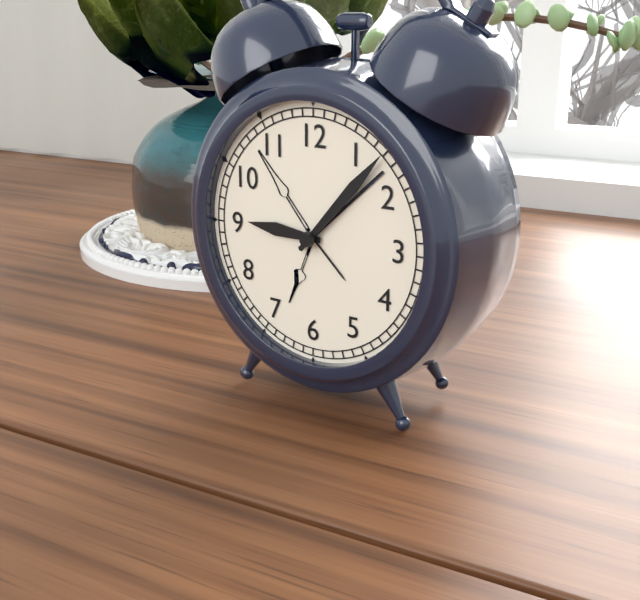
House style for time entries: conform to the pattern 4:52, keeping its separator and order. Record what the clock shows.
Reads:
9:07
